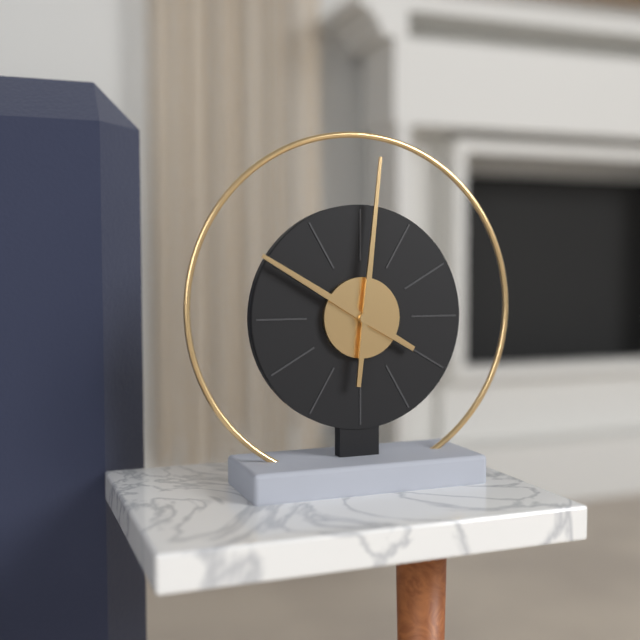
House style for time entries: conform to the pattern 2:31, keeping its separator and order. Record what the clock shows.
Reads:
10:01
